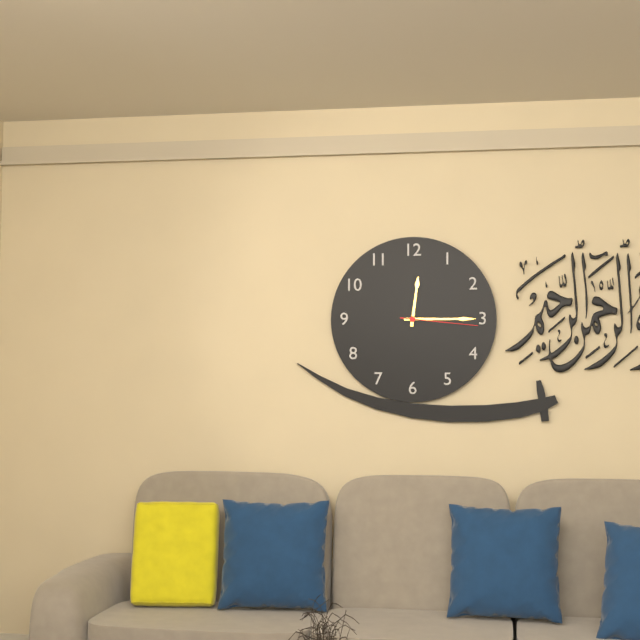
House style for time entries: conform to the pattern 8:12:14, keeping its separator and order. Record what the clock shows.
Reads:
12:15:16
